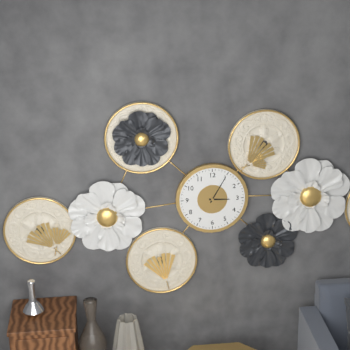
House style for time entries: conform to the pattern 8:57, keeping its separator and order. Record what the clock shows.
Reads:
3:05
